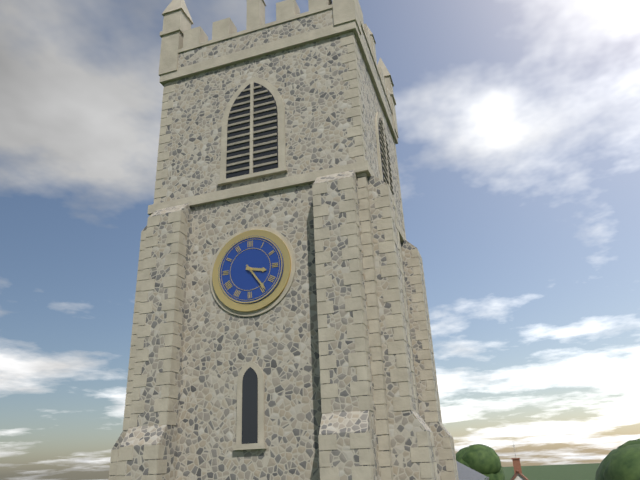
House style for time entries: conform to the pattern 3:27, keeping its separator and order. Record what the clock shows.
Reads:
3:24
